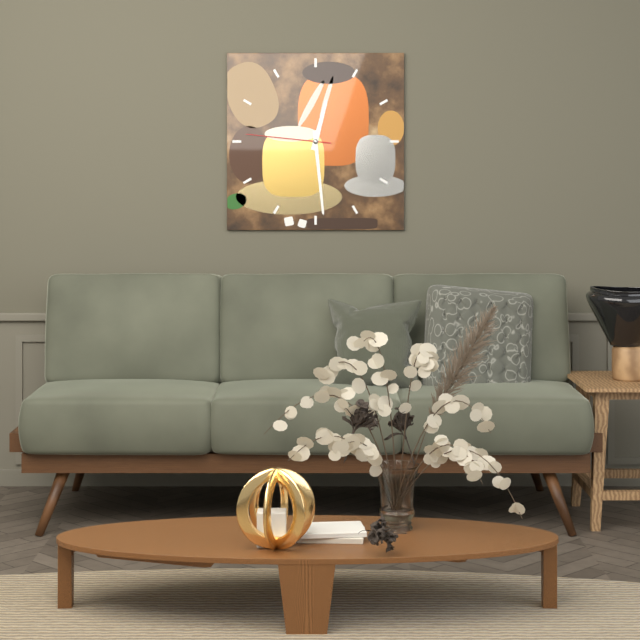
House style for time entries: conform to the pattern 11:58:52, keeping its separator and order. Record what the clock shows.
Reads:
12:29:46
